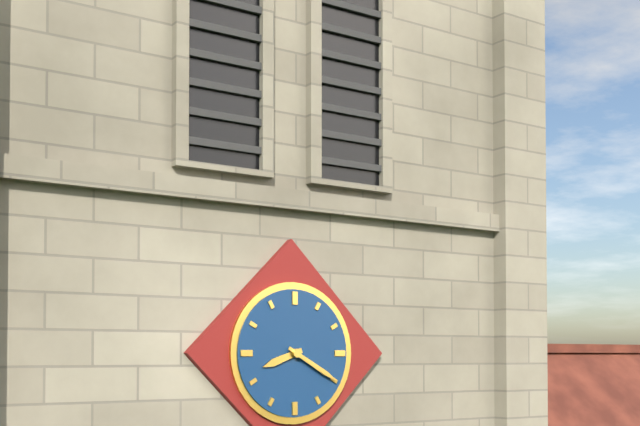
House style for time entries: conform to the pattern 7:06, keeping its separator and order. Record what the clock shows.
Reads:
8:20
